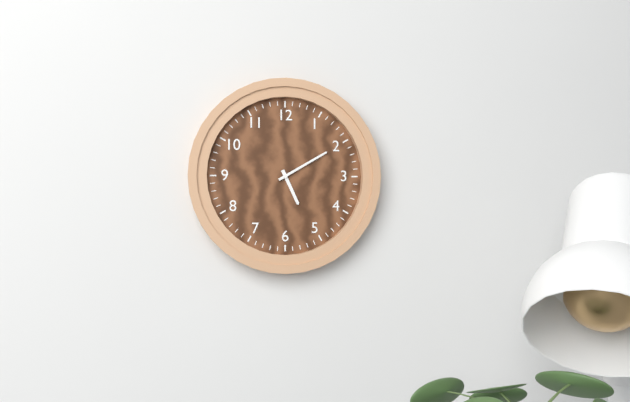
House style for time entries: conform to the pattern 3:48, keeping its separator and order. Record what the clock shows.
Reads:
5:10
